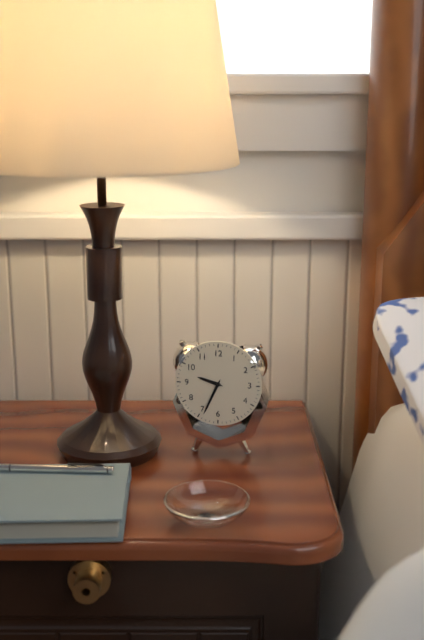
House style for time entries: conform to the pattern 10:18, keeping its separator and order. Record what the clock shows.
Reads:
9:34
